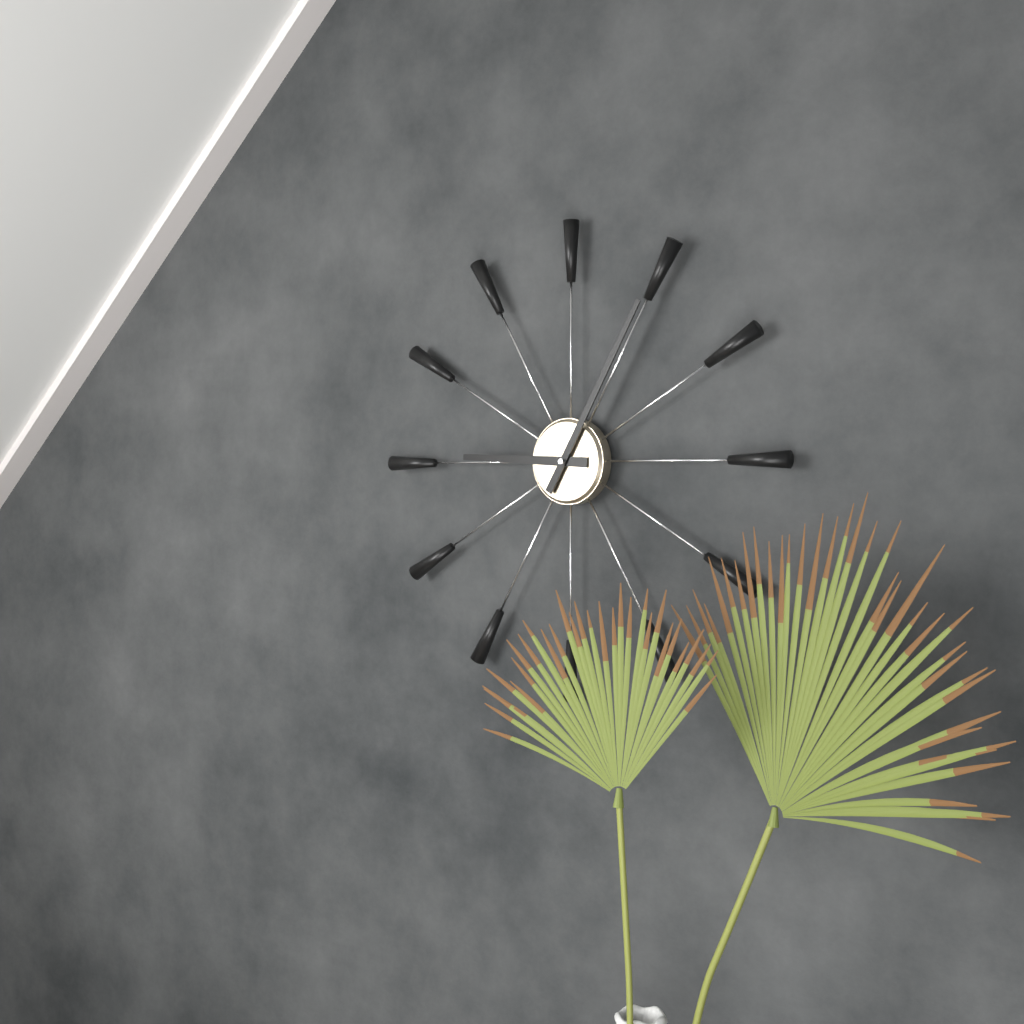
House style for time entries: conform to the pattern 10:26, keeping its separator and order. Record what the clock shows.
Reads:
9:05
